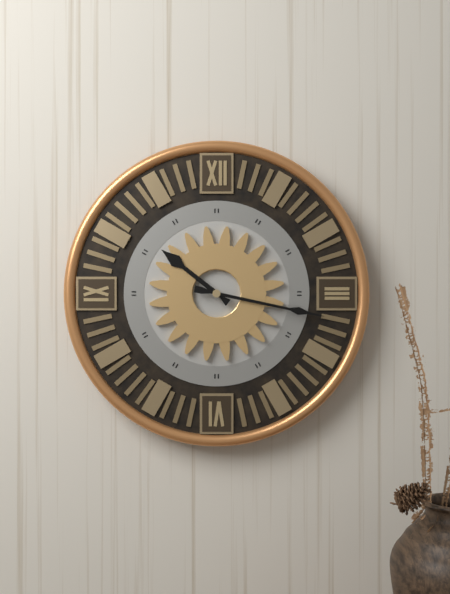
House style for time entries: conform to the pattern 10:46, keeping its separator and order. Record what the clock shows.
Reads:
10:17
